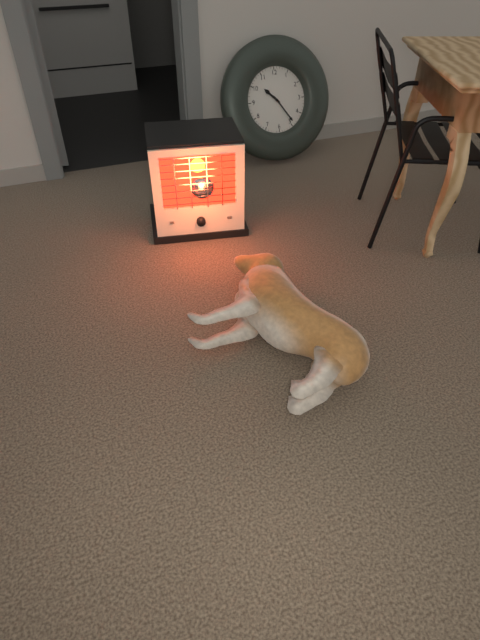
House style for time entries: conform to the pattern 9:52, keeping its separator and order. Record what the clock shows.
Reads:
10:24
